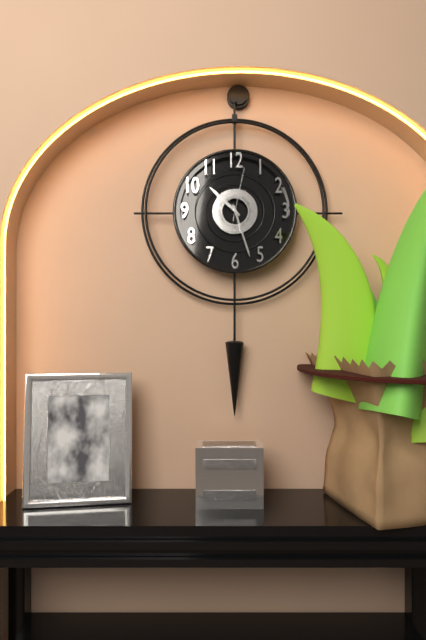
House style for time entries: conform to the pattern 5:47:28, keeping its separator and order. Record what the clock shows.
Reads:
10:27:02
